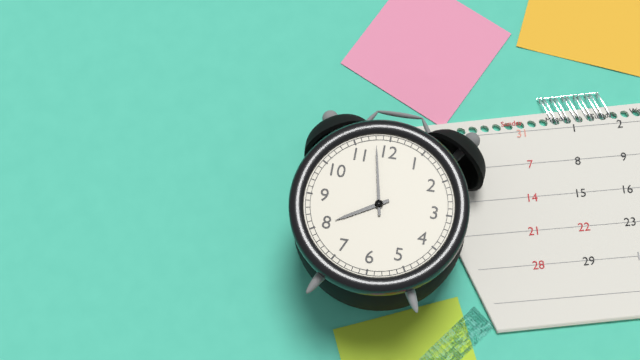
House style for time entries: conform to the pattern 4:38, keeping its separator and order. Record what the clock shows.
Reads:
7:58
